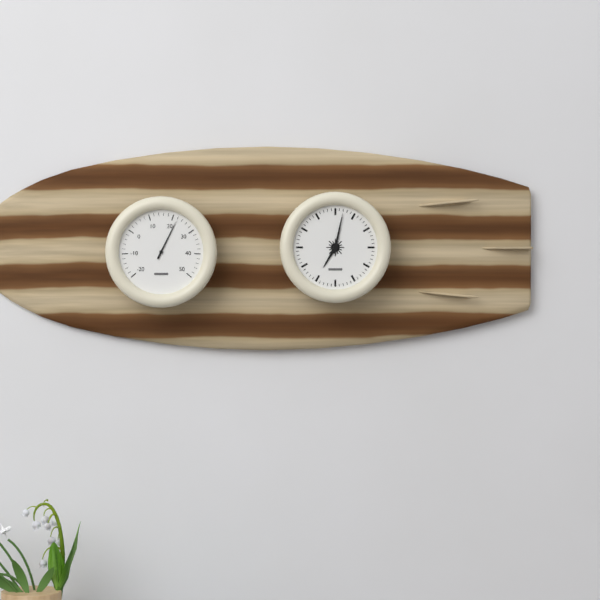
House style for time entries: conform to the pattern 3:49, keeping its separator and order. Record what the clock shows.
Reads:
7:02
